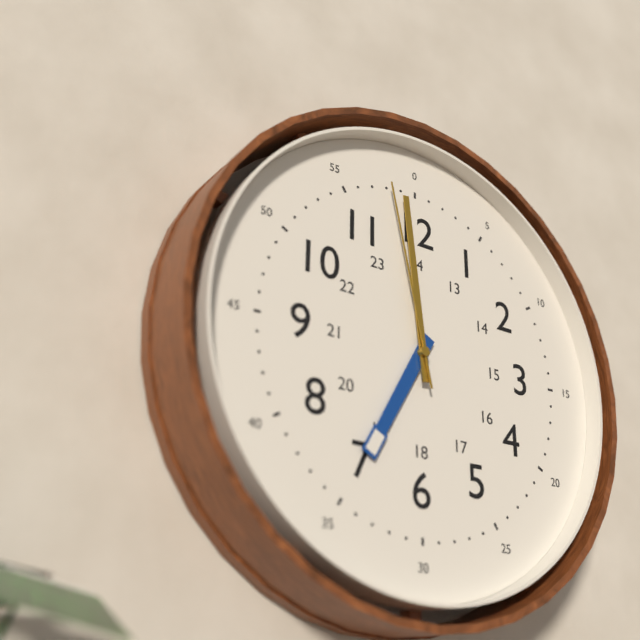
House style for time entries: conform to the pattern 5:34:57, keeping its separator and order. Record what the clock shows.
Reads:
6:59:58
